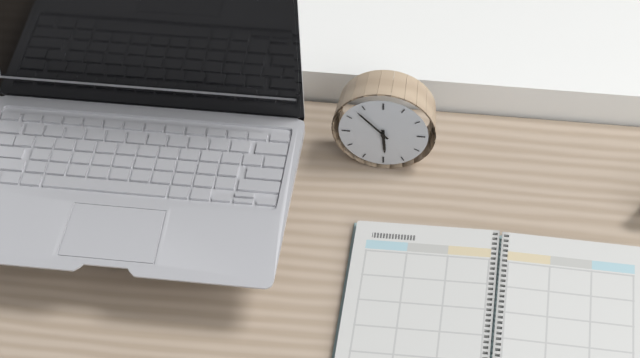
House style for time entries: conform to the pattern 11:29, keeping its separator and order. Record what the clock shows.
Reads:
5:53
